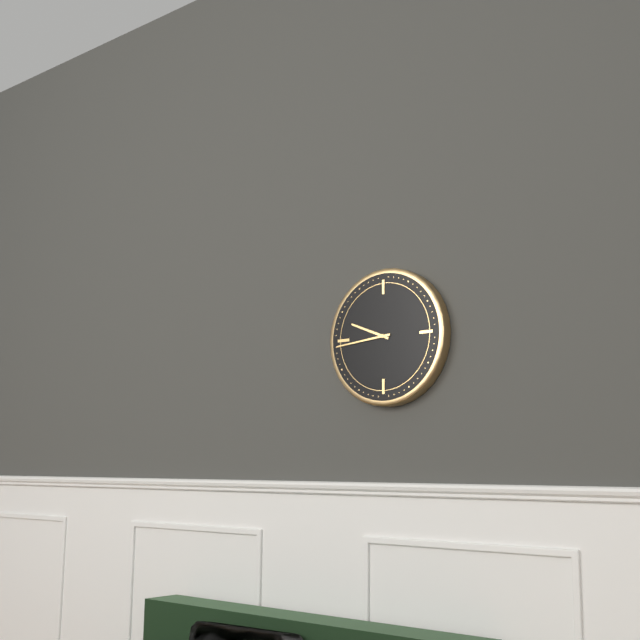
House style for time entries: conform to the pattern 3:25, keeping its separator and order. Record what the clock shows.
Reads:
9:44
